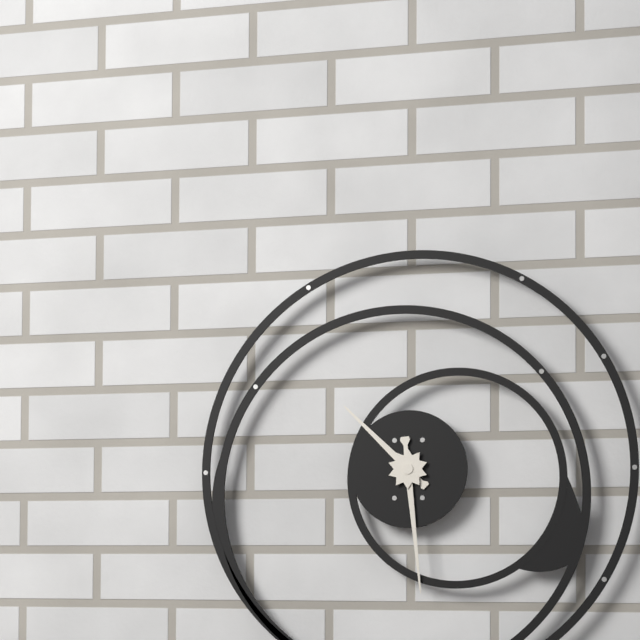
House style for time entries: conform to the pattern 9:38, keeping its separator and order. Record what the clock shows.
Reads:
10:29
